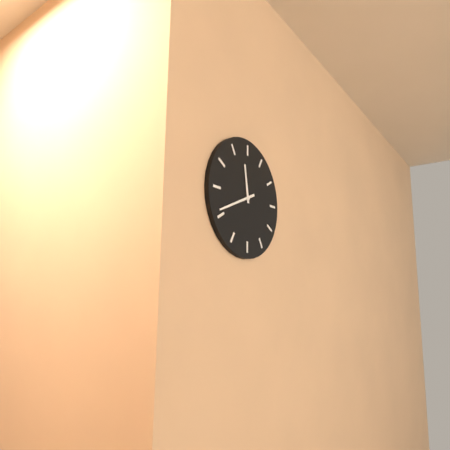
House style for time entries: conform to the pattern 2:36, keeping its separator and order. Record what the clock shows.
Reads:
11:41
